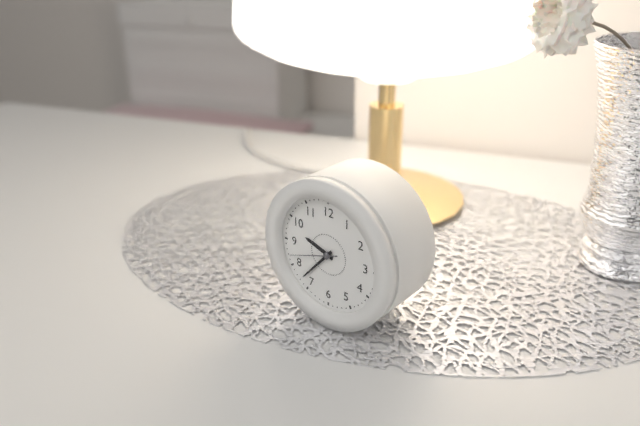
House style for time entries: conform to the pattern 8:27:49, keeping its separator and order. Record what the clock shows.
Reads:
9:37:42
